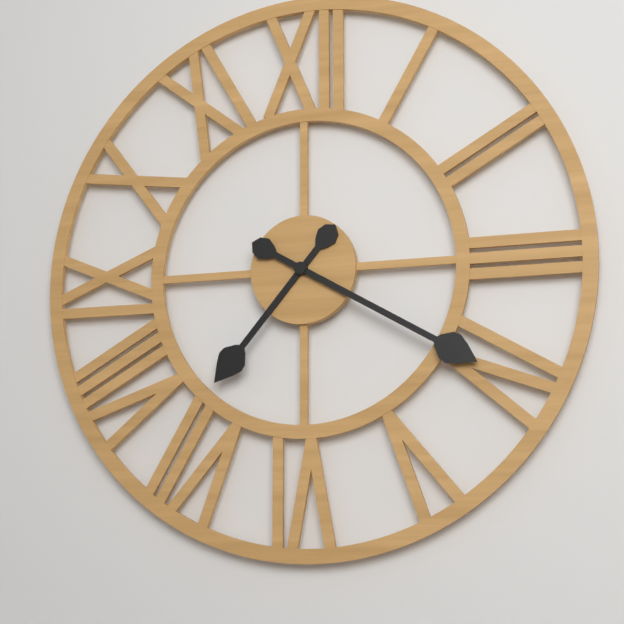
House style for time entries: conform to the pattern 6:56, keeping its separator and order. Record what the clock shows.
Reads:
7:20
